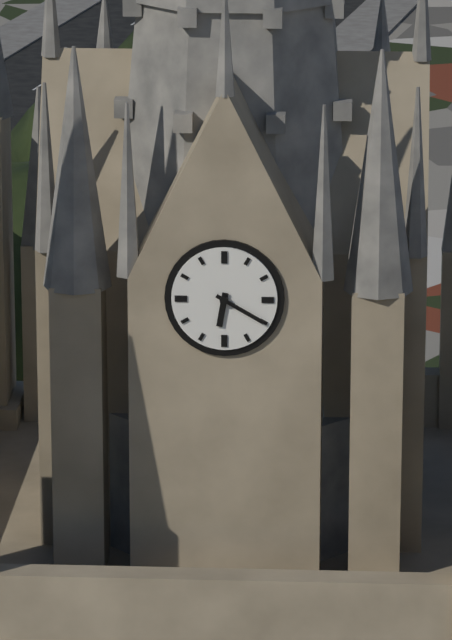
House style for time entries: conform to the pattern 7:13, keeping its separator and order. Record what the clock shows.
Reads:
6:20
